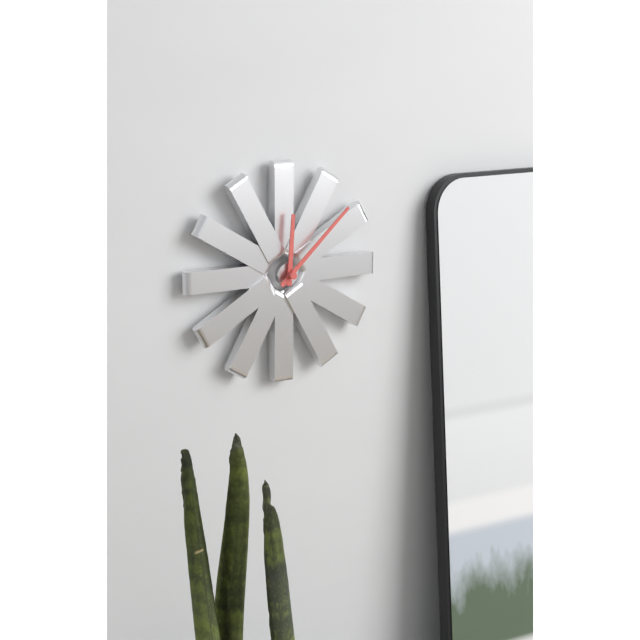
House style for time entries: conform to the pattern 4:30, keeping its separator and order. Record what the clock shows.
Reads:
12:08
